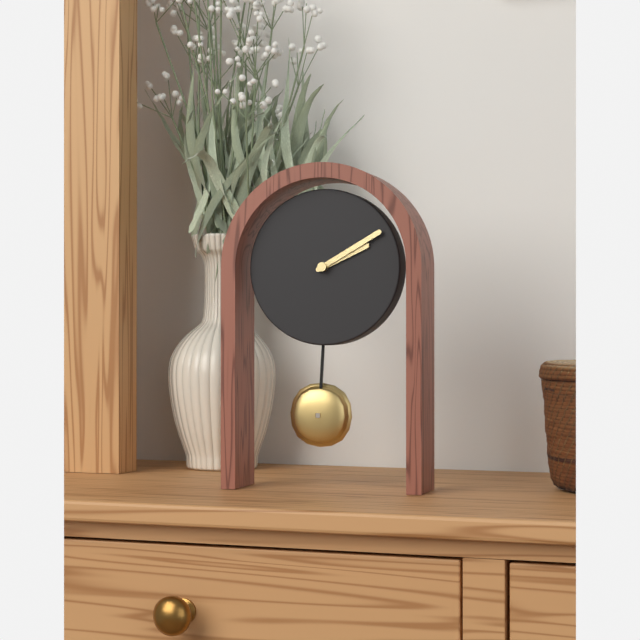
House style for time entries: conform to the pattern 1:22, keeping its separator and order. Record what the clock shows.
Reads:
2:10
